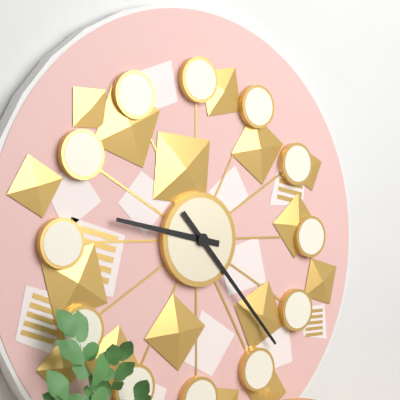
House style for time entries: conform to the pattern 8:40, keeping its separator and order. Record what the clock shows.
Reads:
9:23
